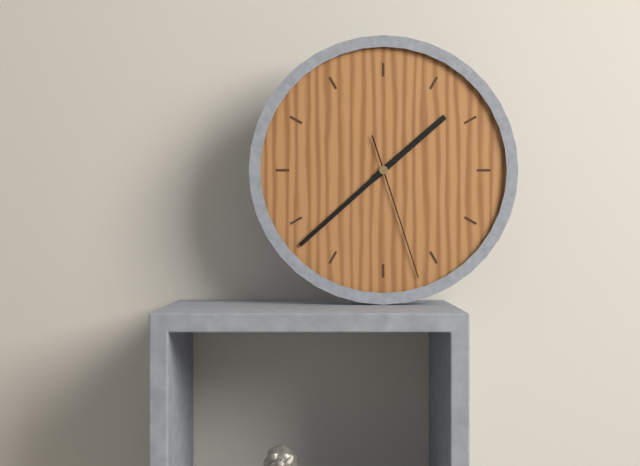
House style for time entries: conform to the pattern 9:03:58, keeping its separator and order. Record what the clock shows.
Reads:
1:38:27
